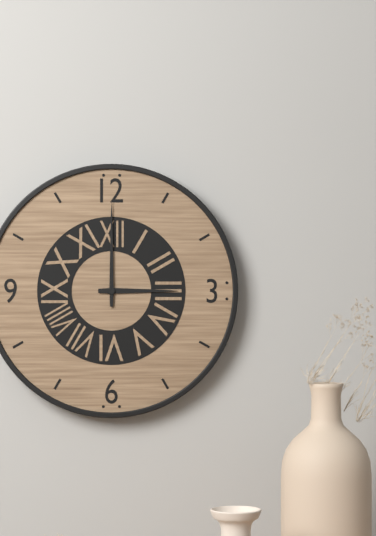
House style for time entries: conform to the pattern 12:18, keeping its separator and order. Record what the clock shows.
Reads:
3:00
